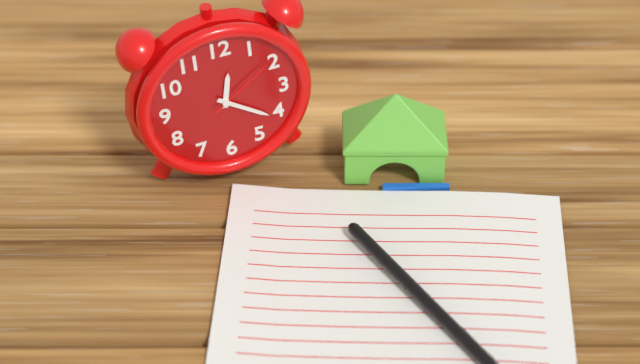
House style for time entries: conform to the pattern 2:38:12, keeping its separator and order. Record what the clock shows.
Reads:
12:21:09
